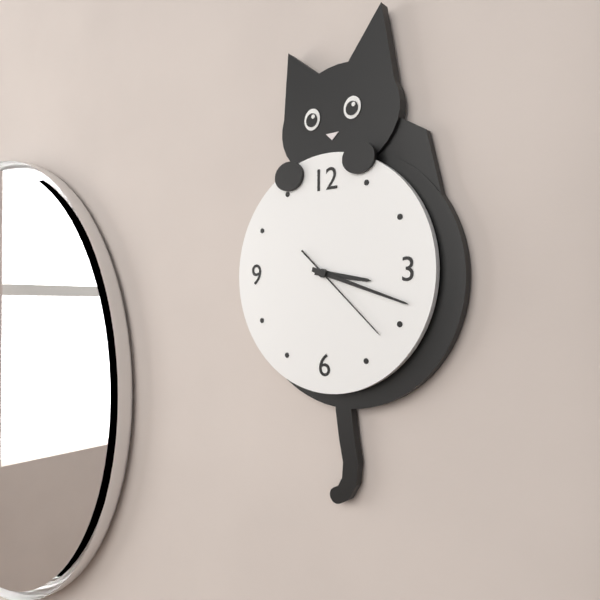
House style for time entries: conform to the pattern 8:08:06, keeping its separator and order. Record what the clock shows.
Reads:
3:18:22
